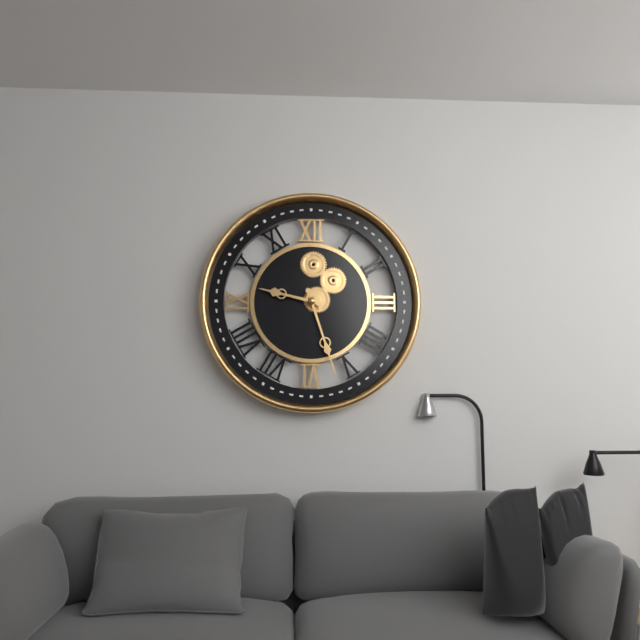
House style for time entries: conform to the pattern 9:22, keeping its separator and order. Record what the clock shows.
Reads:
9:27
